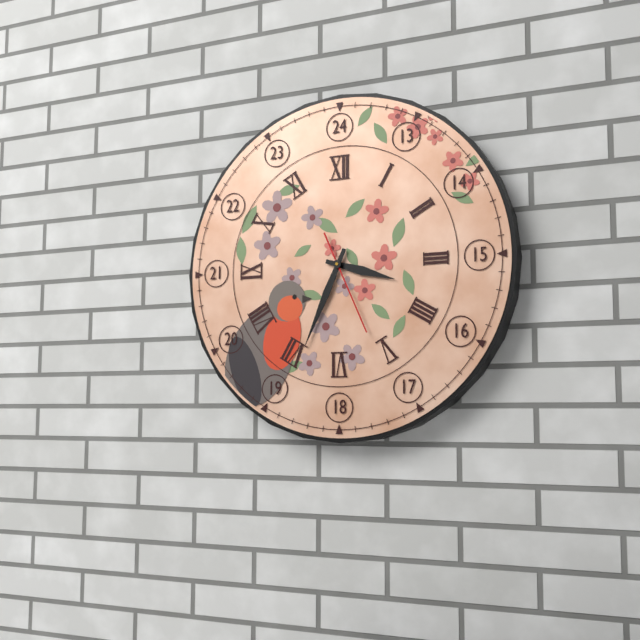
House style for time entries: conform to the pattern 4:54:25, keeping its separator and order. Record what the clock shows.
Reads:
3:34:26
